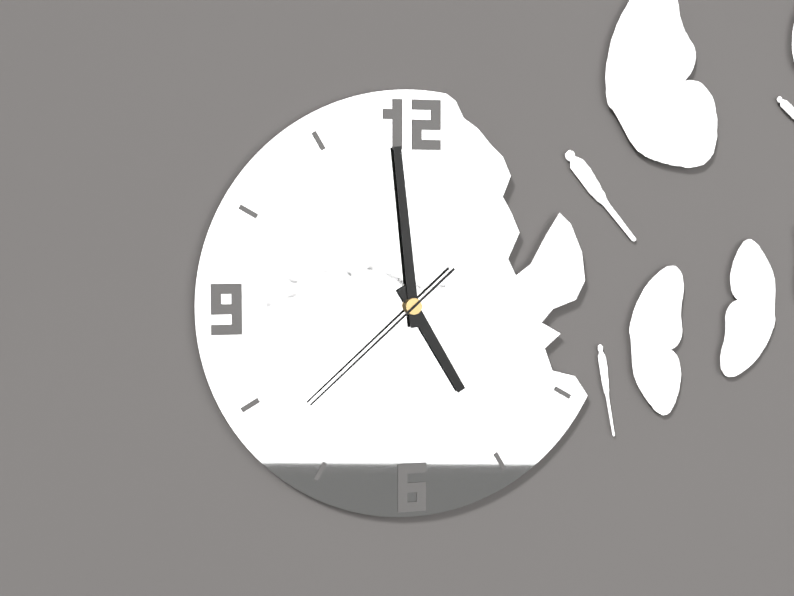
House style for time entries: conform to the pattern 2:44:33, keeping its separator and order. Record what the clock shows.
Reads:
4:59:38
